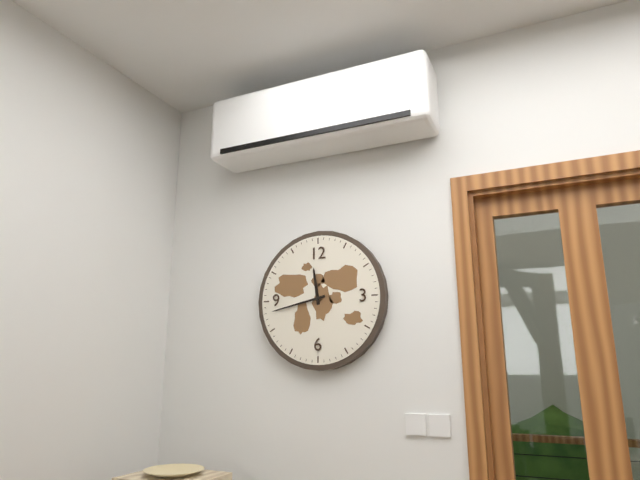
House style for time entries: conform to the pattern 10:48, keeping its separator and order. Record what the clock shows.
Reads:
11:43
